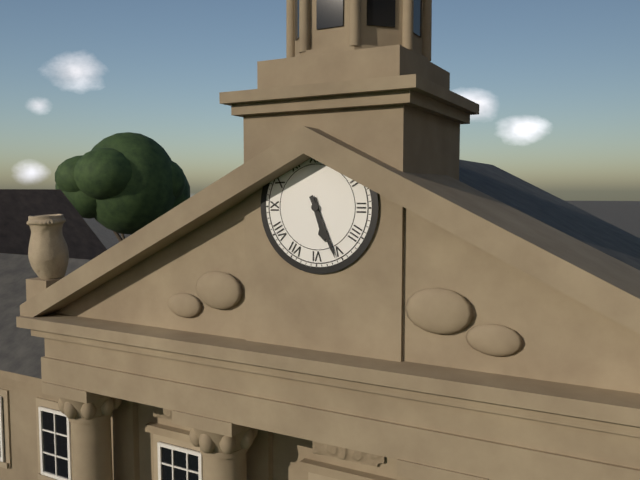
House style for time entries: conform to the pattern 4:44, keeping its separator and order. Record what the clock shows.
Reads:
5:26
